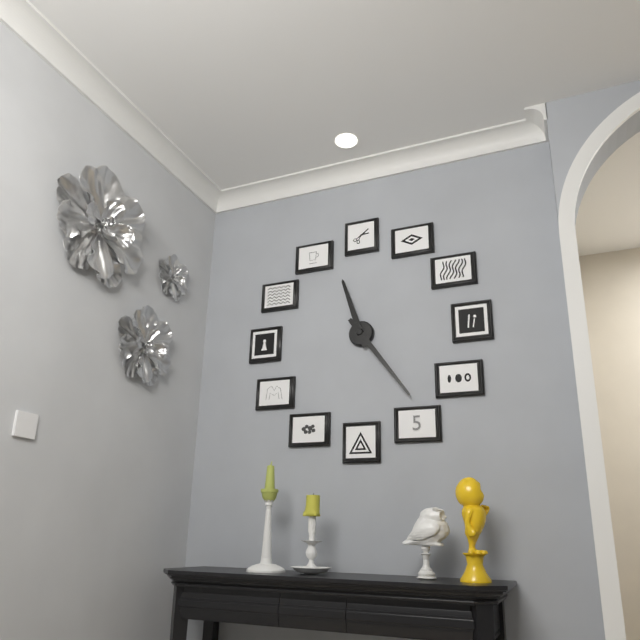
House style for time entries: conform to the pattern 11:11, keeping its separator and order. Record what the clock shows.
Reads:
11:24
